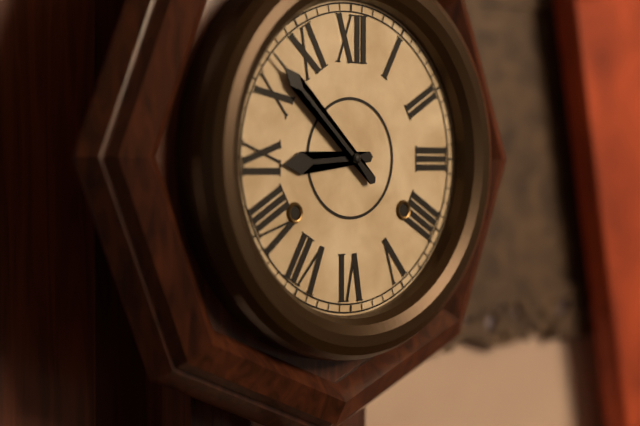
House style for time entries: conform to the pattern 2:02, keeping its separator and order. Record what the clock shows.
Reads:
8:52
